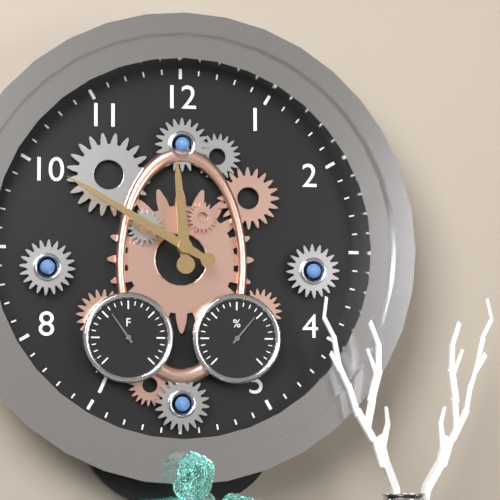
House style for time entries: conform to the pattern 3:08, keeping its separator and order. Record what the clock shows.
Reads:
11:50
